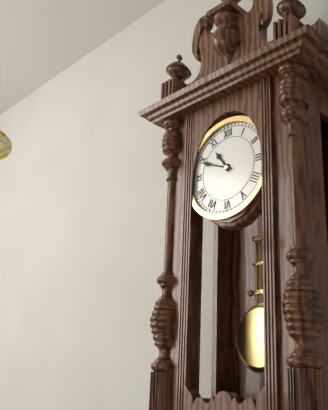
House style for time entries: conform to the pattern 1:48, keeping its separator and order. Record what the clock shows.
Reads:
10:49
